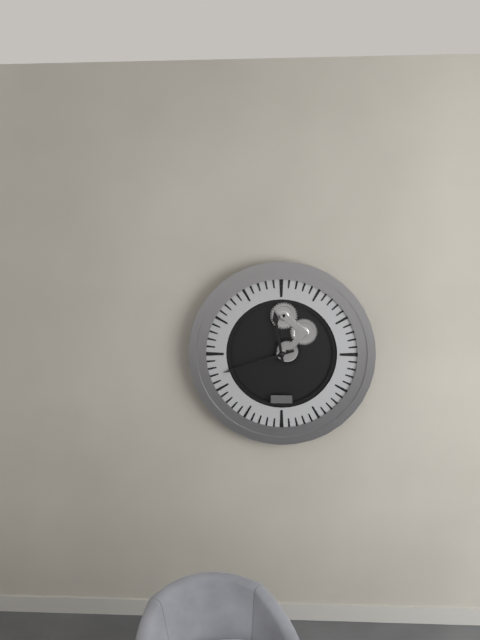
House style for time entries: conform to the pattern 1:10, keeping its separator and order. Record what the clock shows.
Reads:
11:42
